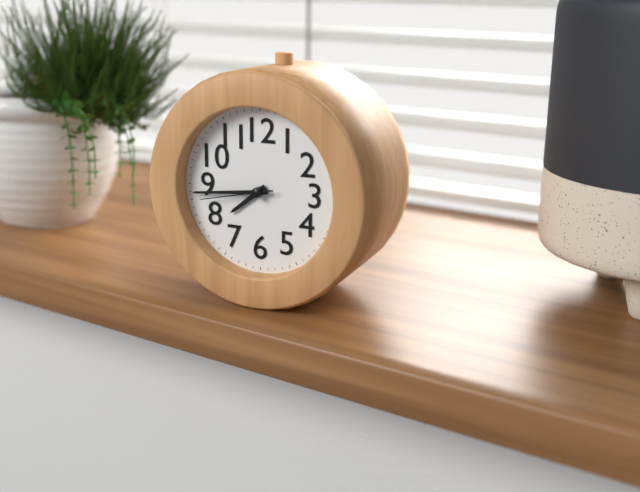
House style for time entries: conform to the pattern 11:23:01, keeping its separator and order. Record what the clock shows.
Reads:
7:44:43
